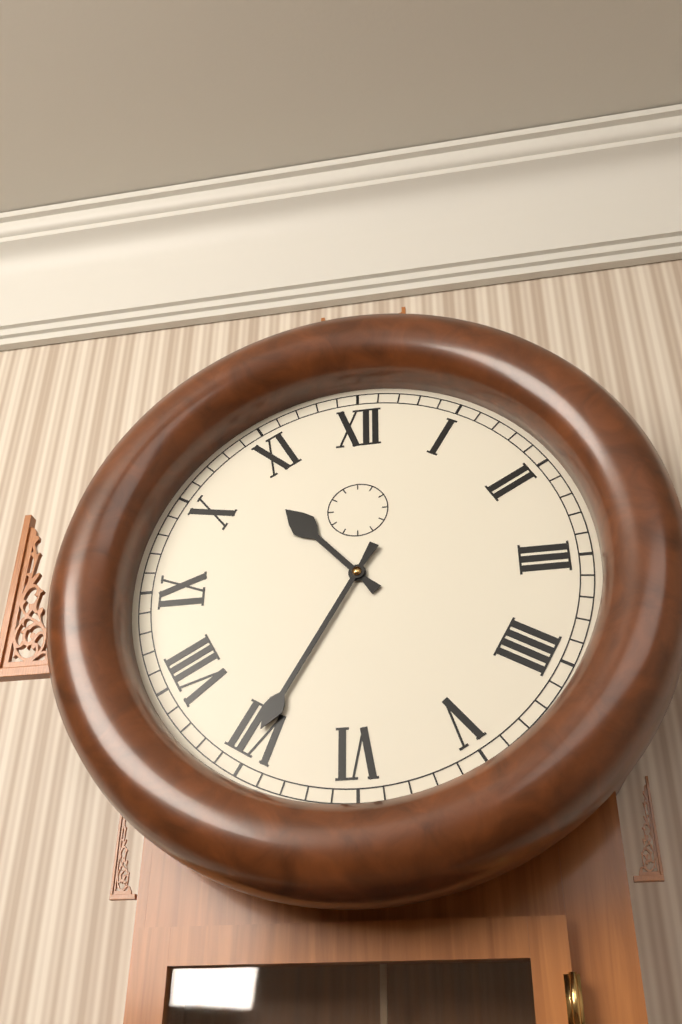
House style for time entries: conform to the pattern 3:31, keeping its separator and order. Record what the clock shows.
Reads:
10:35
